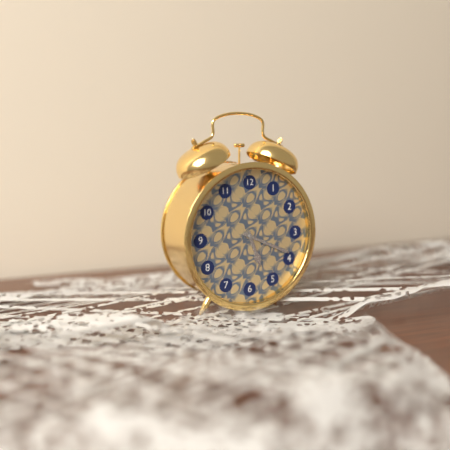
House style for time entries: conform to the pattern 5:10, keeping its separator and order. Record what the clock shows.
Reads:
5:19
